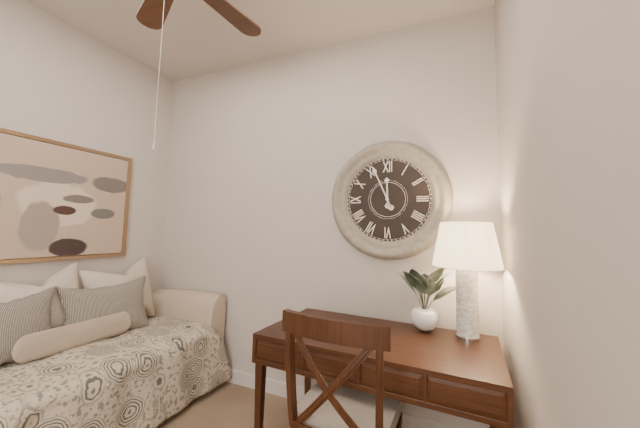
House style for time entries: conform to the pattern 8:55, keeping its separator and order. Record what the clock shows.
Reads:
11:56
